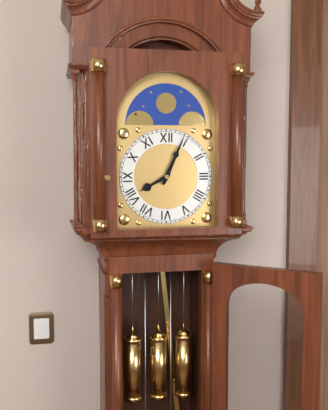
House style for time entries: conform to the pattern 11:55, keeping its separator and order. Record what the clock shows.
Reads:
8:04
